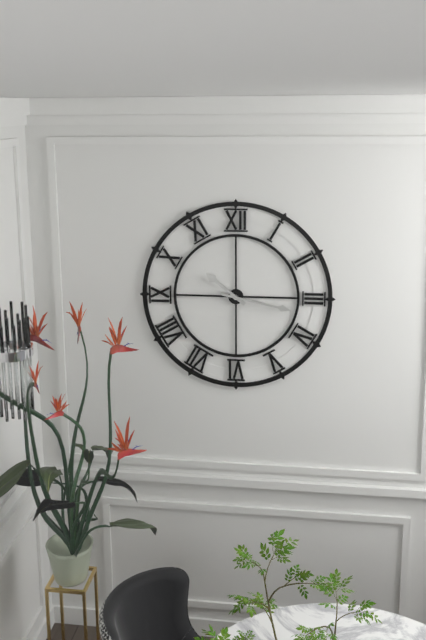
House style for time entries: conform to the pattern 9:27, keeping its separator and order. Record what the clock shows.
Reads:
10:17
